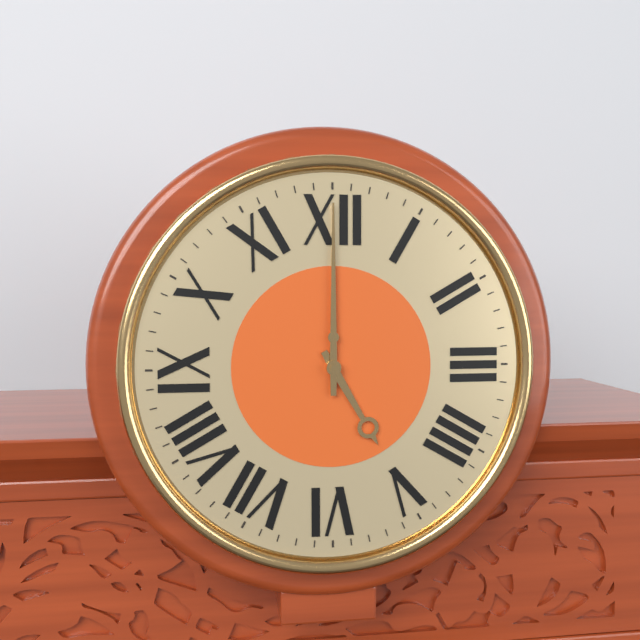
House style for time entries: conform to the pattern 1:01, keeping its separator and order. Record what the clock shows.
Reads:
5:00
